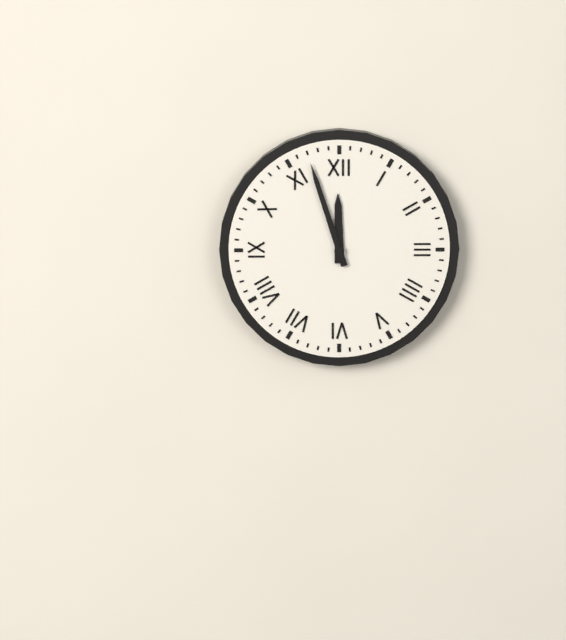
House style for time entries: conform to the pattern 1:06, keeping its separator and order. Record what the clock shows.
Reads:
11:57
